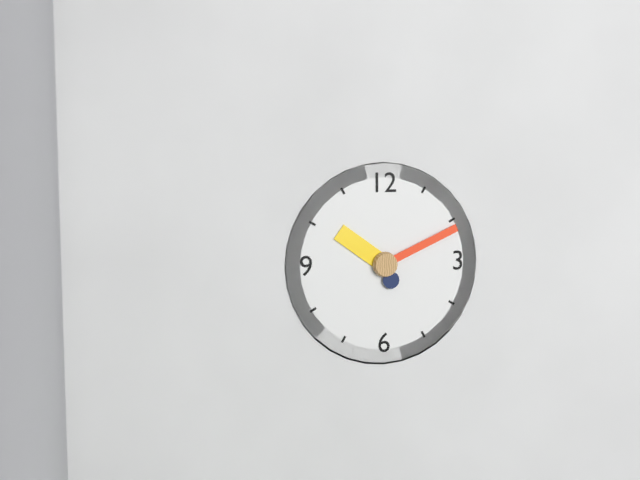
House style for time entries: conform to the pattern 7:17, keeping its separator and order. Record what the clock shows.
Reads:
10:11
